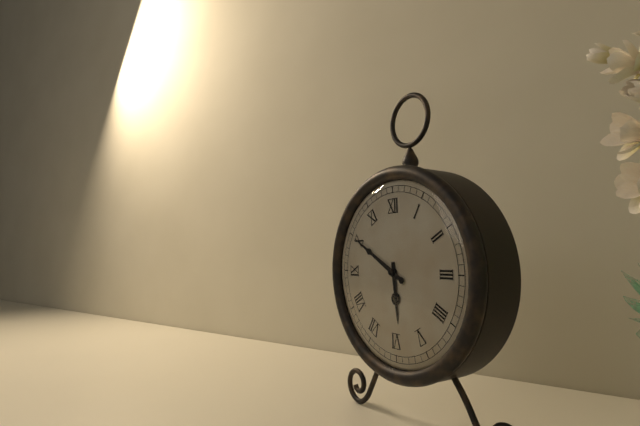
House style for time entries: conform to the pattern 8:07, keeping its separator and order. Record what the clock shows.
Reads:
5:50
